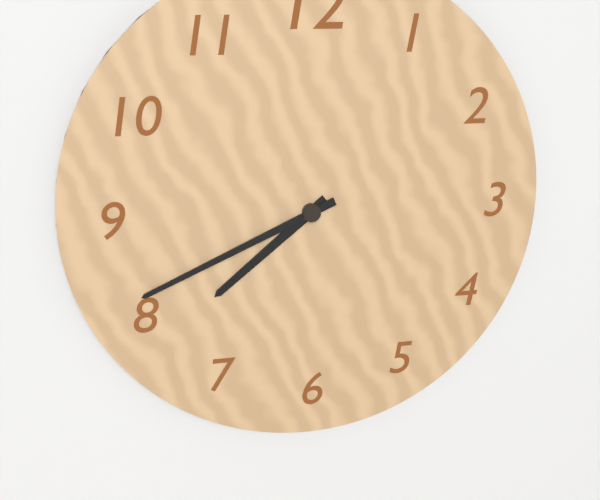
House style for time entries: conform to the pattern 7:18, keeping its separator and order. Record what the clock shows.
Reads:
7:41
